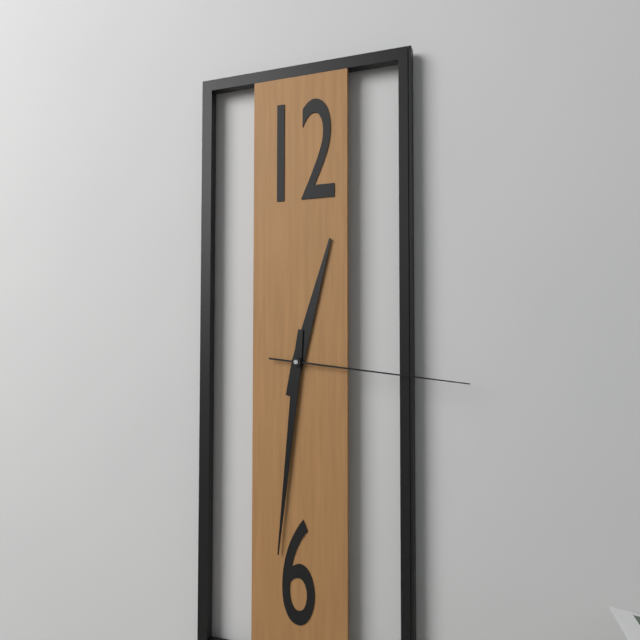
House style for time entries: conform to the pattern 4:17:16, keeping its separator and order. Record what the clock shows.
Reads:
12:31:16
